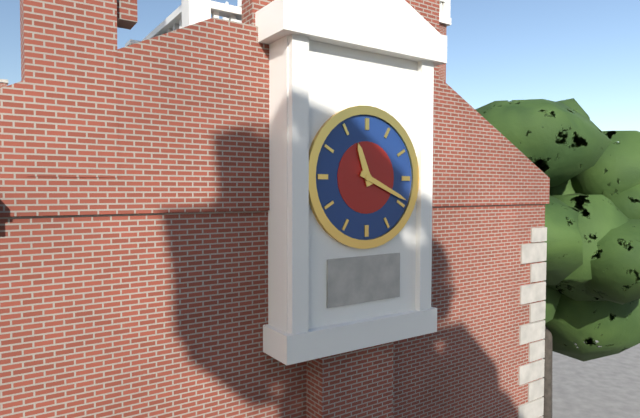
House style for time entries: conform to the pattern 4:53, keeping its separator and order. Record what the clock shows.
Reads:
11:19
